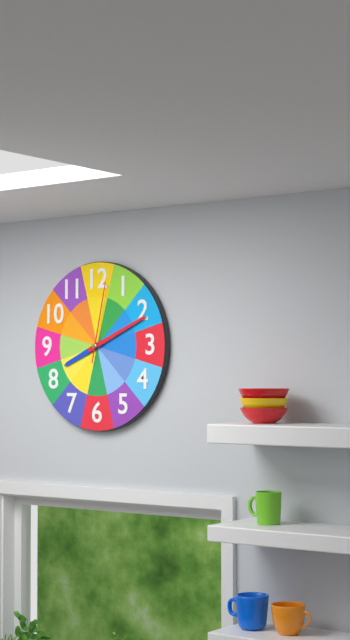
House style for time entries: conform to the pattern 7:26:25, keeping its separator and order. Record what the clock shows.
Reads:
8:11:02
